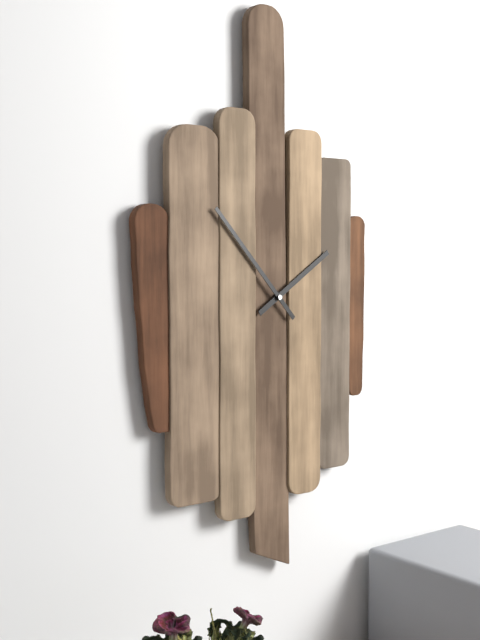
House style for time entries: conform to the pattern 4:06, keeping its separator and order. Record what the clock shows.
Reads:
1:53
